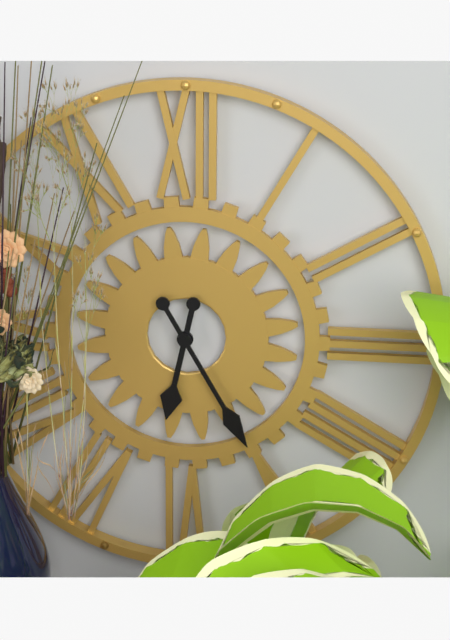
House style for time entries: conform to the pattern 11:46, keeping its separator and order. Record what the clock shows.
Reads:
6:25
